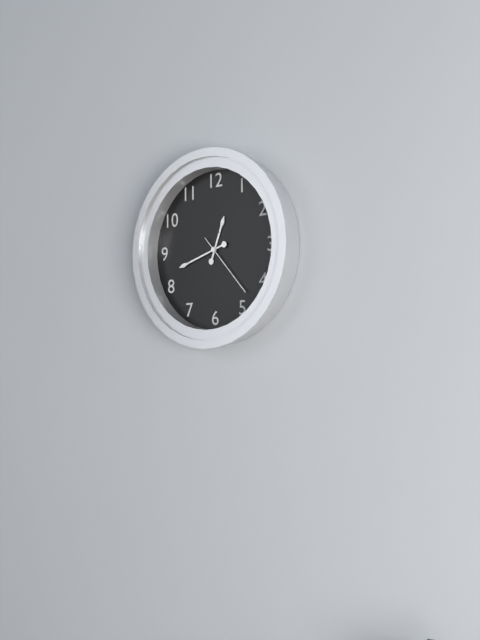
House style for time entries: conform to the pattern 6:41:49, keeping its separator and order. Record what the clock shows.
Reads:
12:42:23
